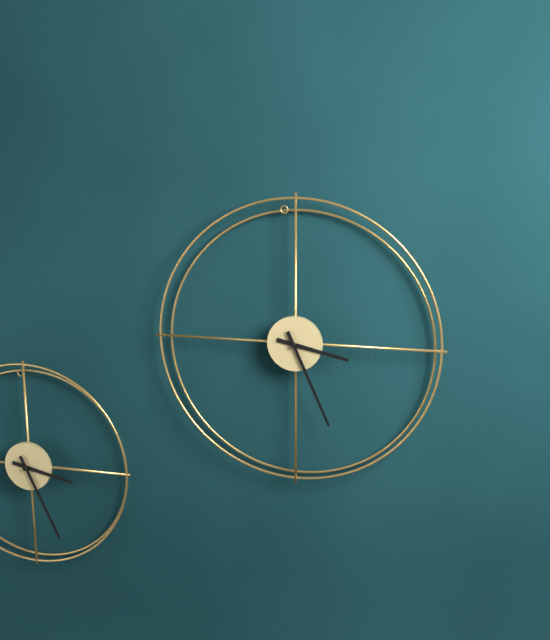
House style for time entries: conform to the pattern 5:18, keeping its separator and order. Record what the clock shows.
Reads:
3:26
